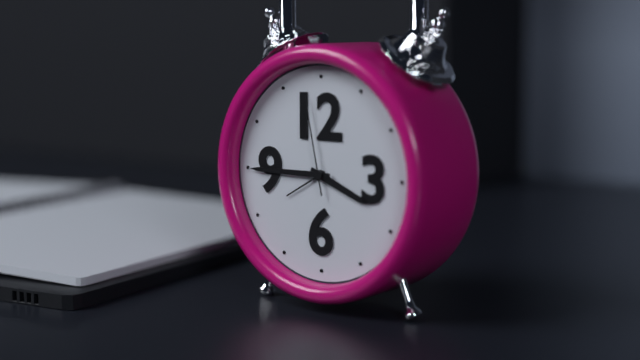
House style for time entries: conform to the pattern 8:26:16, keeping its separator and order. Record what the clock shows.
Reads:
3:45:58
